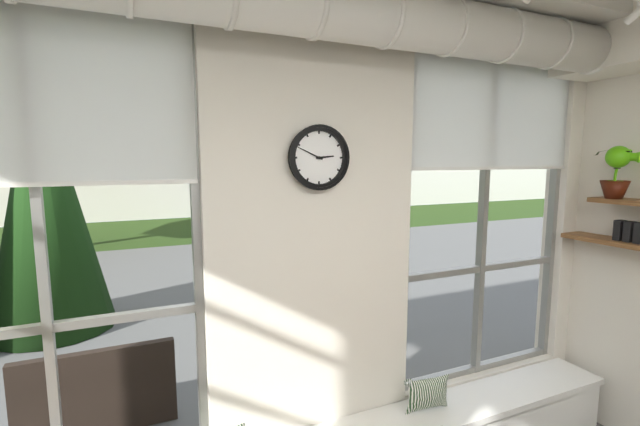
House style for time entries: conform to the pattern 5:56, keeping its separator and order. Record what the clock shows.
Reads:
2:49
